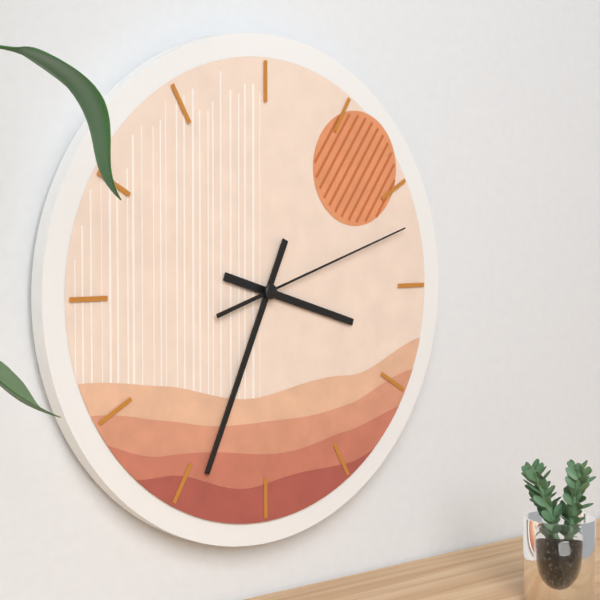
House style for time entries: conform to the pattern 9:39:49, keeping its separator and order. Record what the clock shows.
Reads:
3:34:12
